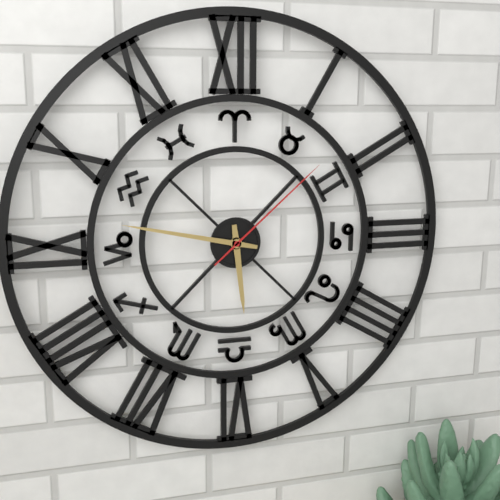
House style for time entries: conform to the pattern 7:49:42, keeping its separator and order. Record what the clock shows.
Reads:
5:47:08
